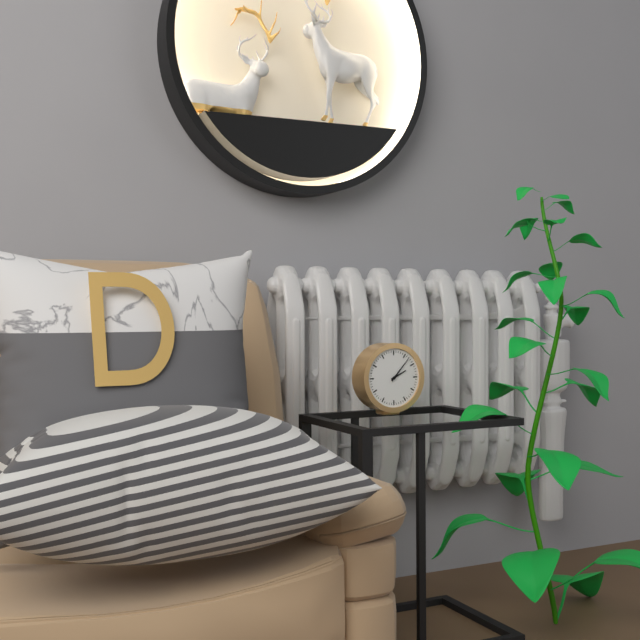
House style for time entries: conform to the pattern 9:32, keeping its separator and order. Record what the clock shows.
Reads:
2:07
